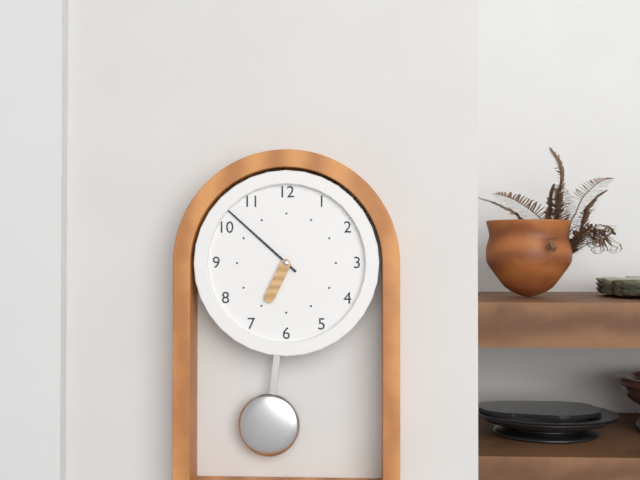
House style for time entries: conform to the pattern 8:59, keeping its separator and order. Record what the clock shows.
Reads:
6:52
